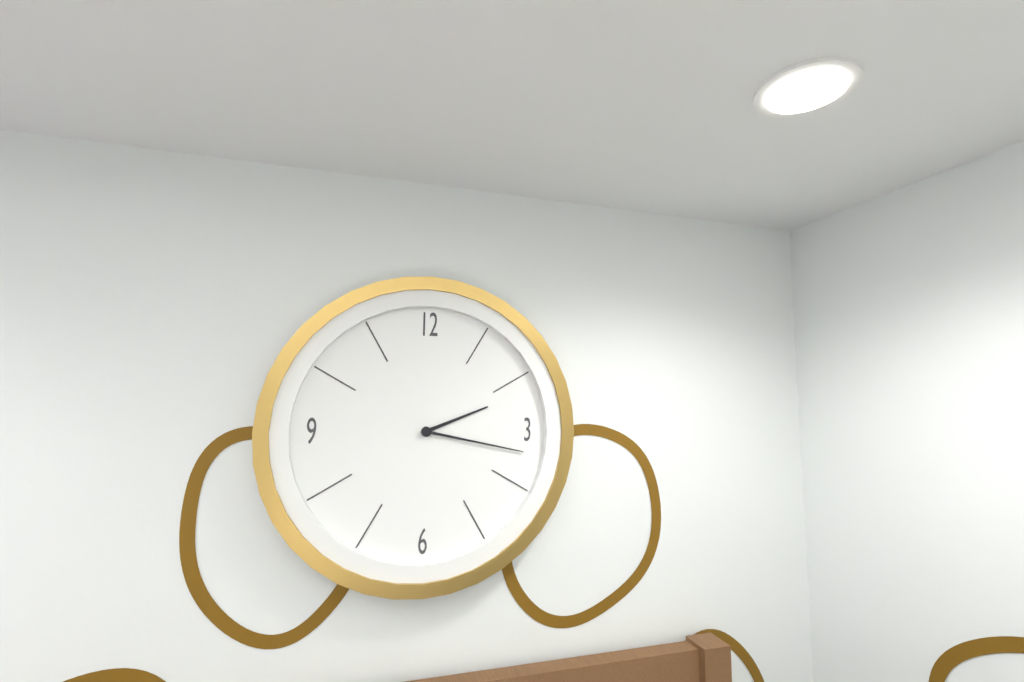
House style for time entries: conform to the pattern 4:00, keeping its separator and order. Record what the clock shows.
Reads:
2:17
